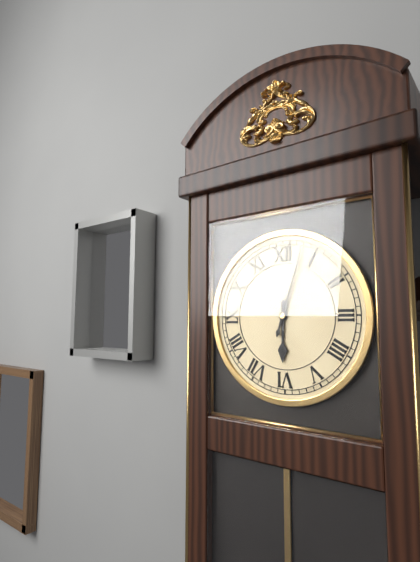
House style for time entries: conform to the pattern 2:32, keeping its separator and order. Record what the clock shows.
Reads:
6:03
